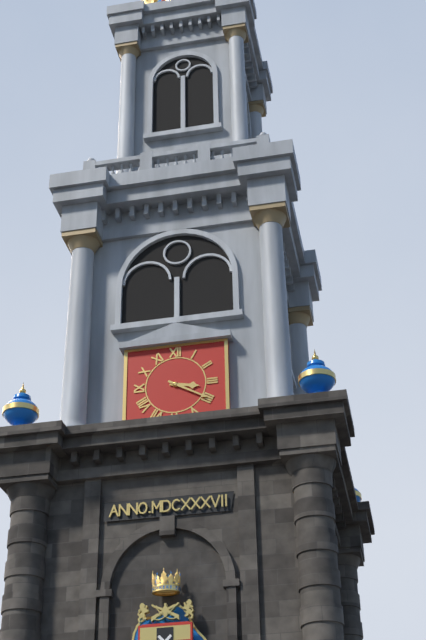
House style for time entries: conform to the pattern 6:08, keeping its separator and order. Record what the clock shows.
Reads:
3:20
